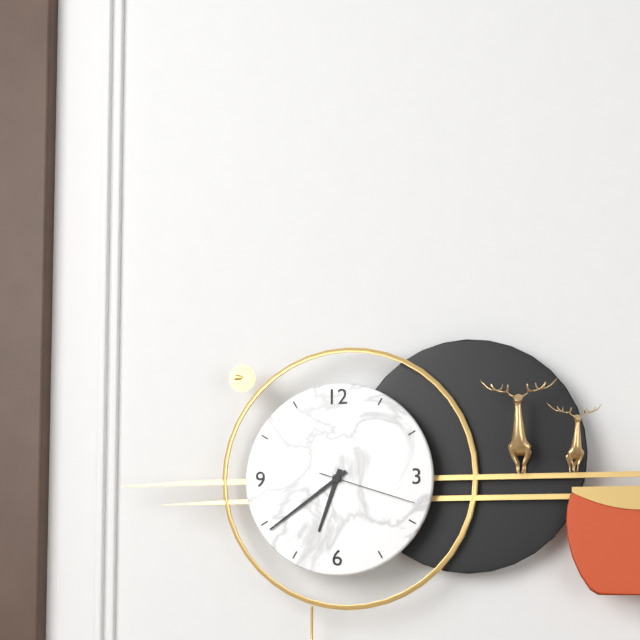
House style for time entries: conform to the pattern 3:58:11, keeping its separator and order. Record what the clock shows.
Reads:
6:39:18
